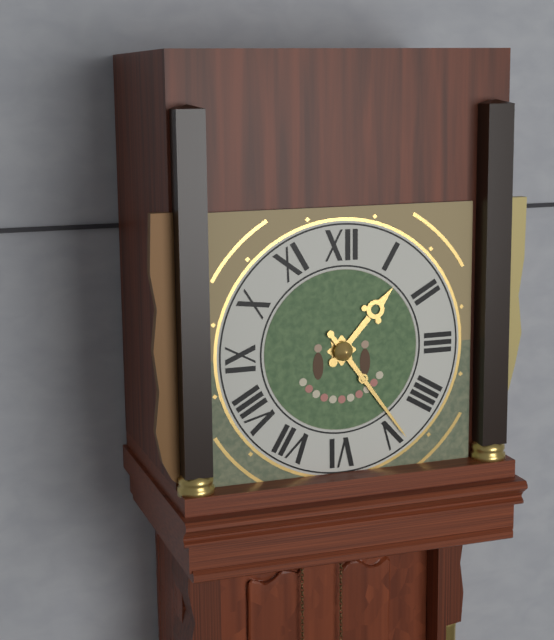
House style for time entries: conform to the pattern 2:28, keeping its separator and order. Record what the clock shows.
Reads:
1:24
